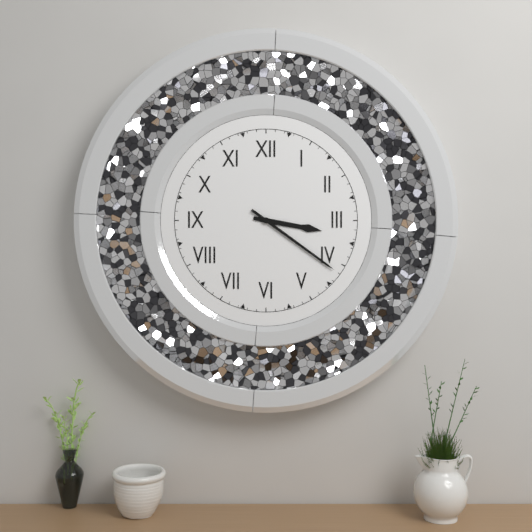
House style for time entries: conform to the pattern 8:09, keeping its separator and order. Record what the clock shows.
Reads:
3:21
